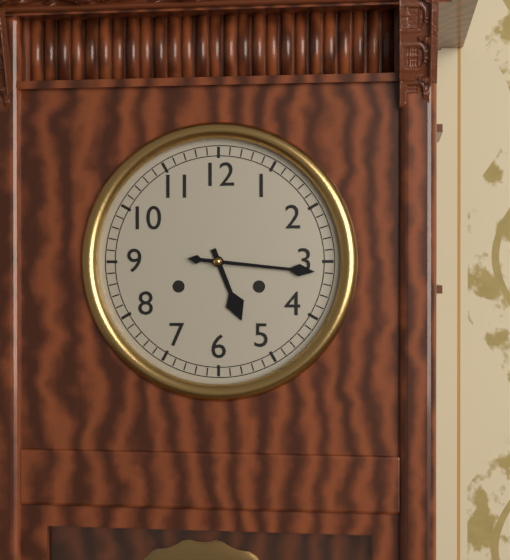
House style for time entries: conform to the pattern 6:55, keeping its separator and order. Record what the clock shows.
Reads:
5:16
